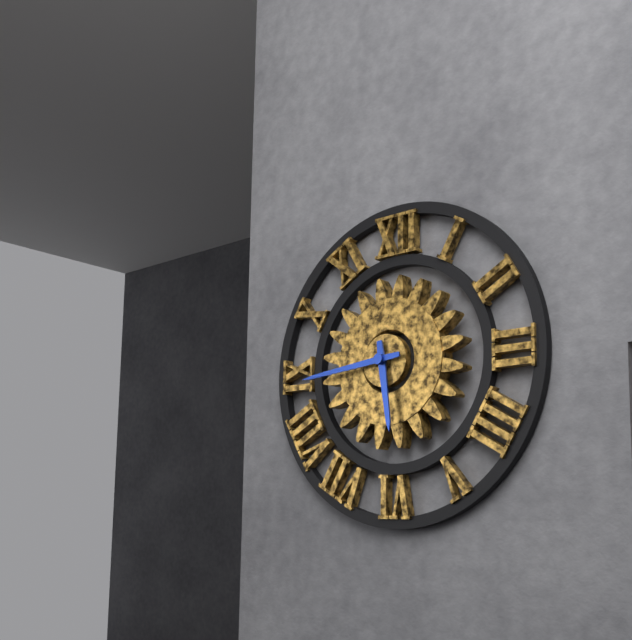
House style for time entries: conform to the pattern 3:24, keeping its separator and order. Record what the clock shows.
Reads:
5:44
